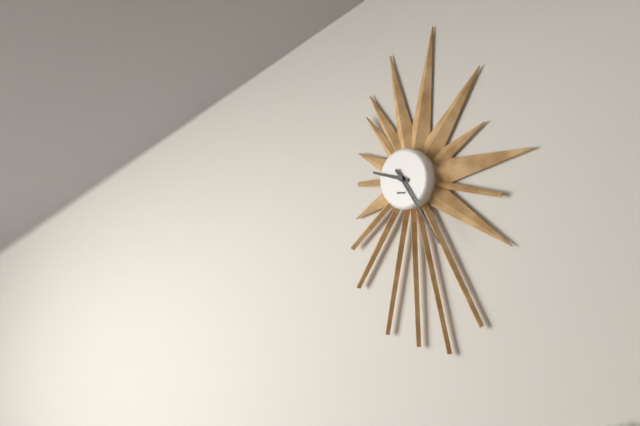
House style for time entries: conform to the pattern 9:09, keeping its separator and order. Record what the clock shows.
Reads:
9:24
